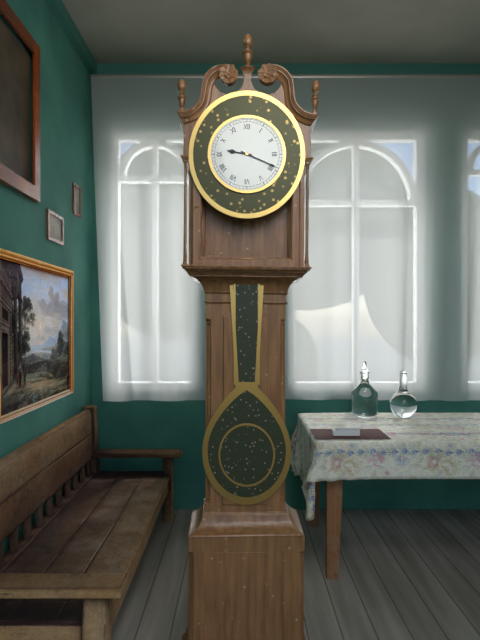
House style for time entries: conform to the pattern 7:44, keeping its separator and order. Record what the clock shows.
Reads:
9:19
